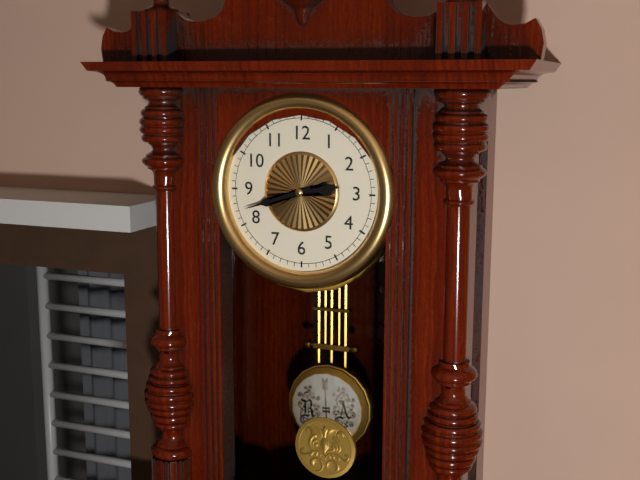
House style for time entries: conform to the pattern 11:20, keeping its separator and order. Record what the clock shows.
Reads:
2:42
